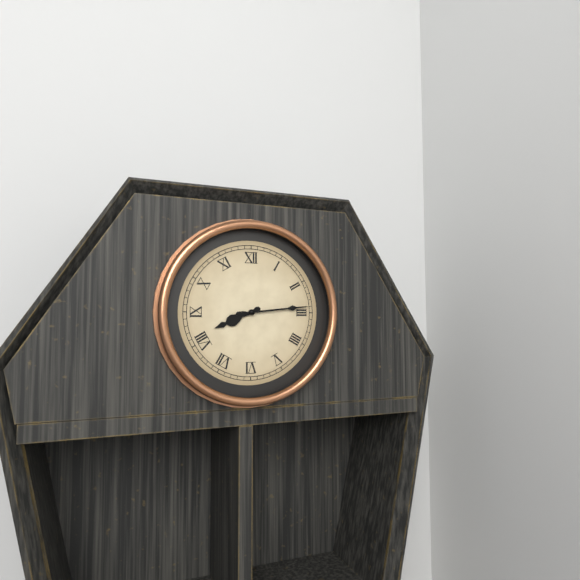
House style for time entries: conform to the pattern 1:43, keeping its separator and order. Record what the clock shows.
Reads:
8:14
